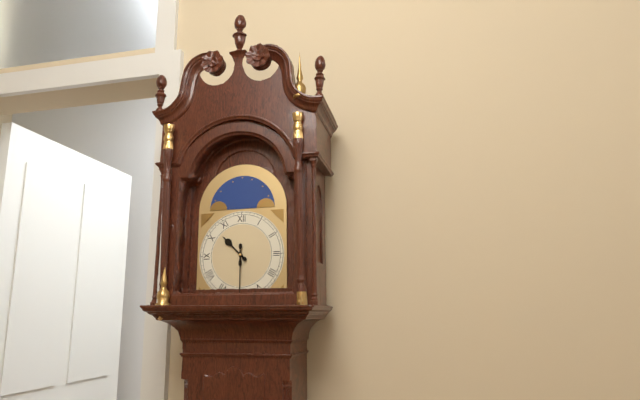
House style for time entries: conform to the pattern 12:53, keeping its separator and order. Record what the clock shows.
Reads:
10:30
